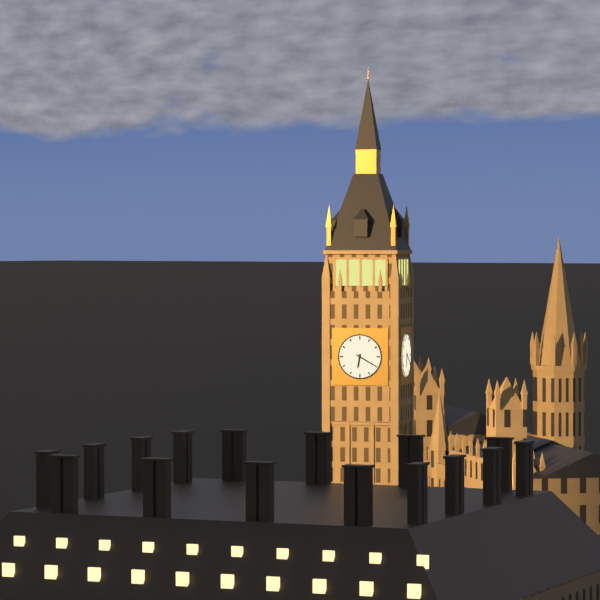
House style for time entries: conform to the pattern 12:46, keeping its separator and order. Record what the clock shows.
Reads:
6:20
